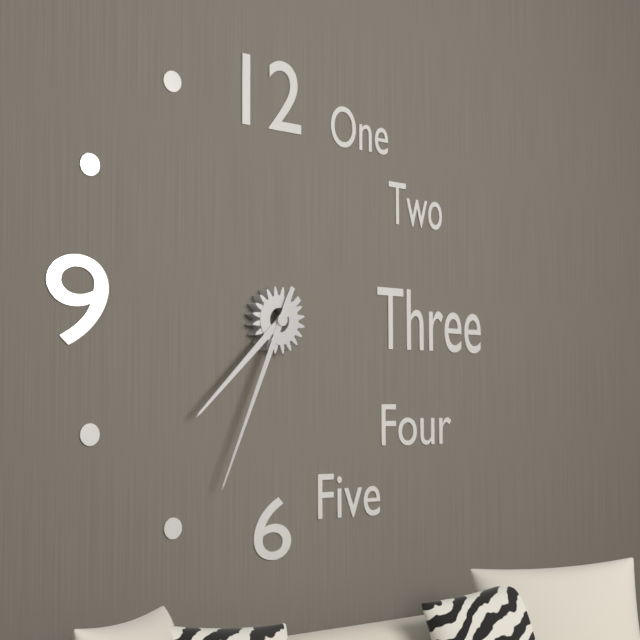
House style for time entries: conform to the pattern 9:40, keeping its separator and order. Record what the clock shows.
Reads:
7:34
